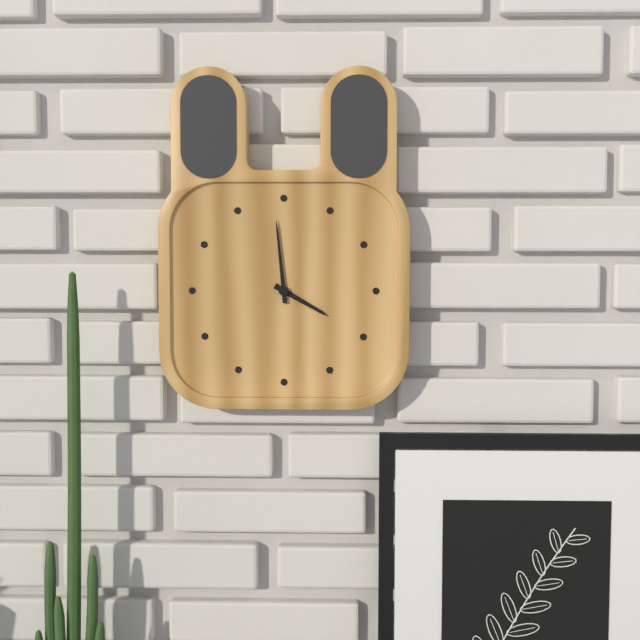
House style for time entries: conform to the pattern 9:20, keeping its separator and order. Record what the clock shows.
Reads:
3:59
